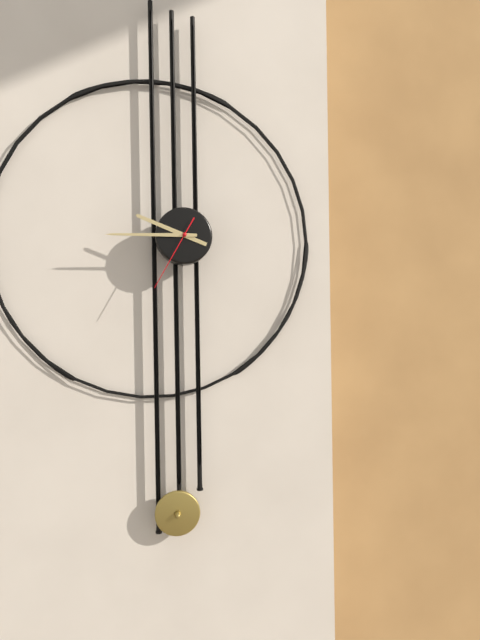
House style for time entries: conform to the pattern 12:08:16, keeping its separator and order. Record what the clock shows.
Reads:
9:45:35
